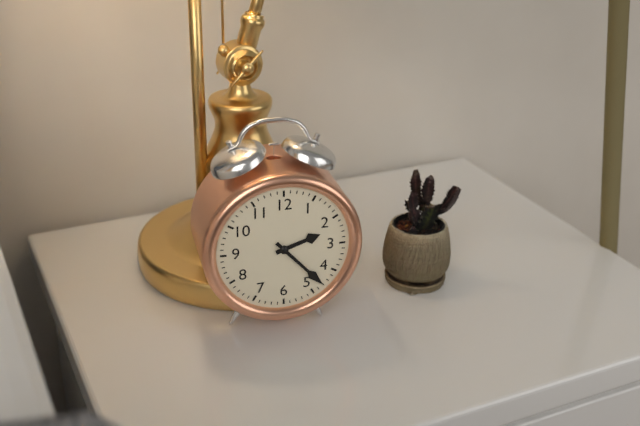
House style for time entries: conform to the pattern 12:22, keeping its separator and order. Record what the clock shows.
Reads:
2:23
